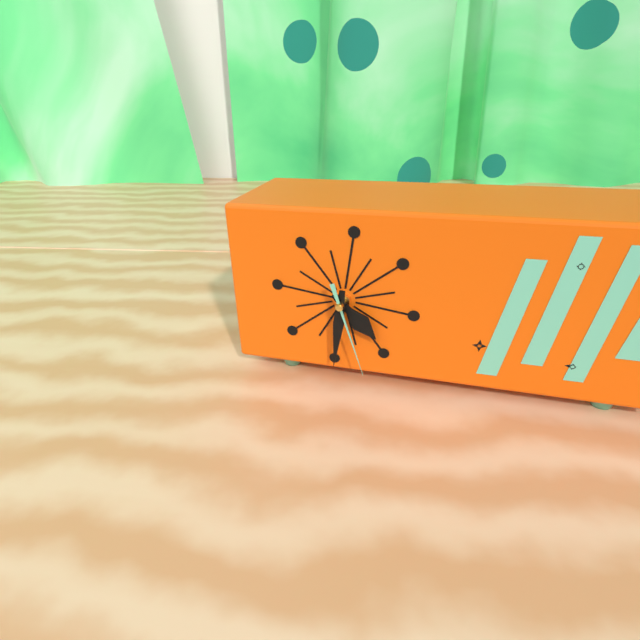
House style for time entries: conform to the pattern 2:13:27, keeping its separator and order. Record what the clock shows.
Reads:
4:31:27
